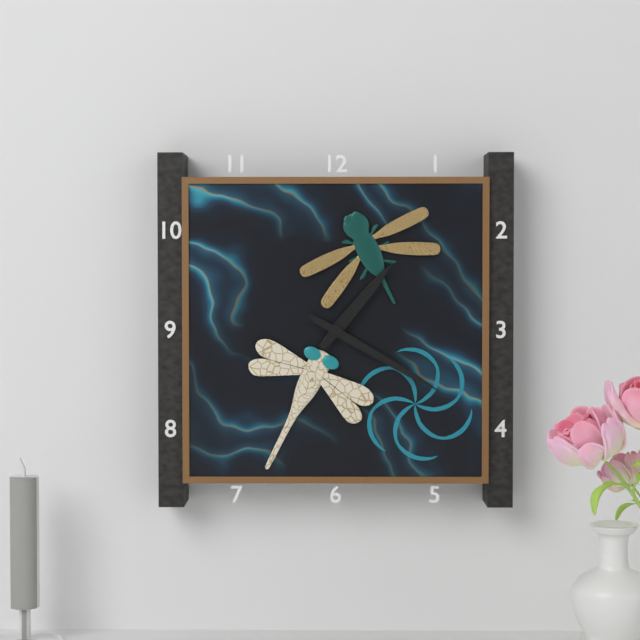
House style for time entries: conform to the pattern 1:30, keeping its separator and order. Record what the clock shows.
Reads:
1:20
